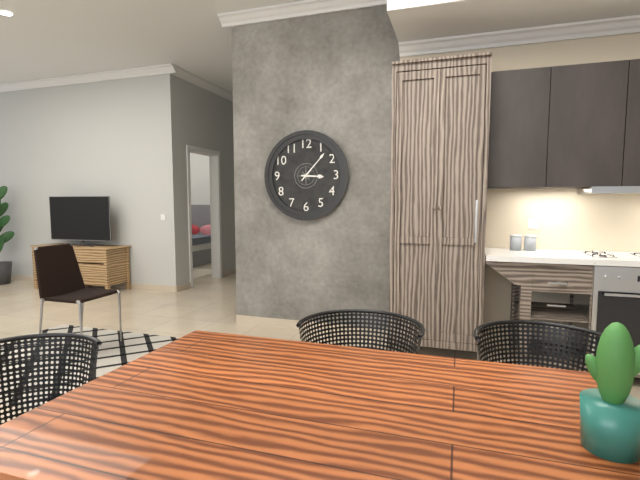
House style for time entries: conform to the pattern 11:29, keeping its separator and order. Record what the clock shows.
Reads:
3:07
